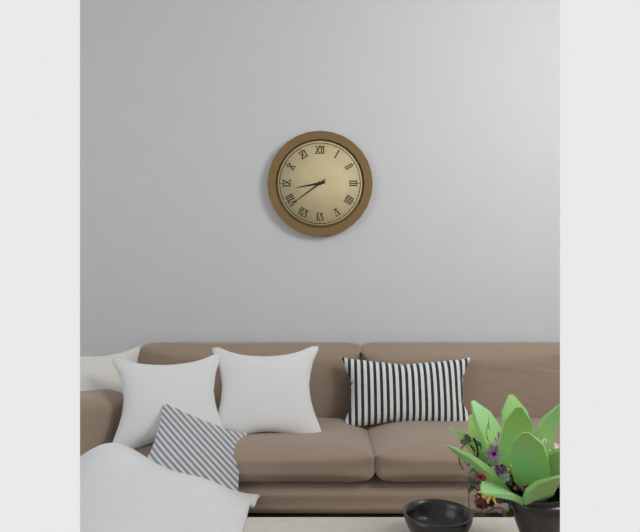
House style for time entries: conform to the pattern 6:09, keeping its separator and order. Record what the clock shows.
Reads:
8:39
